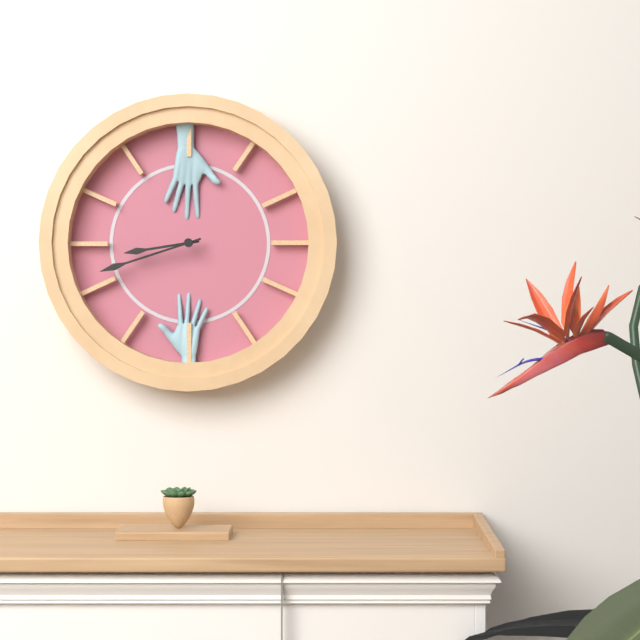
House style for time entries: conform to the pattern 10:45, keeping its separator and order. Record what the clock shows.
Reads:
8:42
